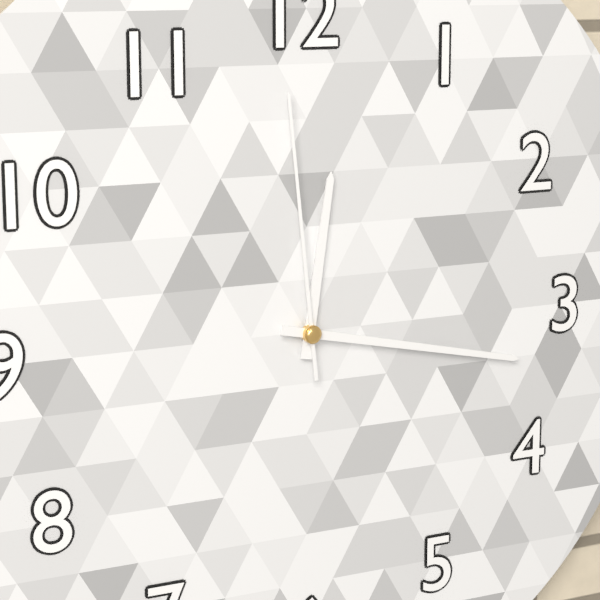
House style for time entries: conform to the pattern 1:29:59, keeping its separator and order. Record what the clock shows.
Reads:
12:17:59
